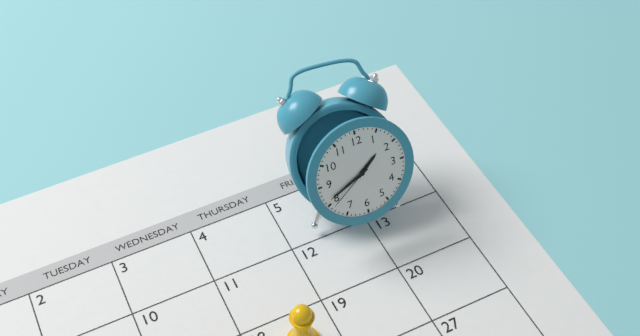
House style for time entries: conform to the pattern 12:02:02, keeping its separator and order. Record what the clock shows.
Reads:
1:41:39
